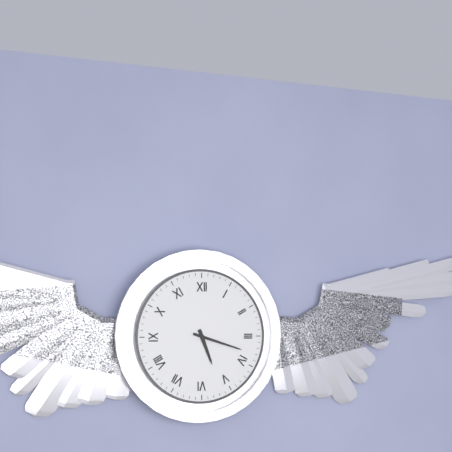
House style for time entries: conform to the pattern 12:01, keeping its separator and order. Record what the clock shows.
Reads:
5:18
